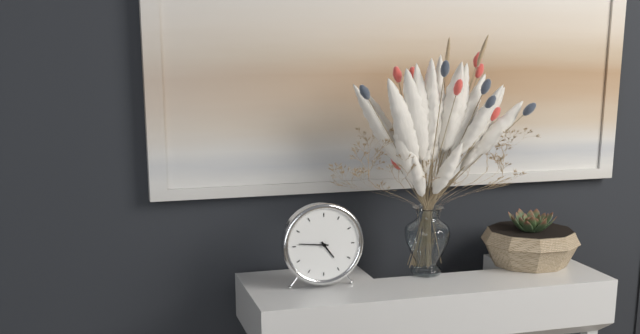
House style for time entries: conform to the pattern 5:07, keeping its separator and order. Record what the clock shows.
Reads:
4:46
